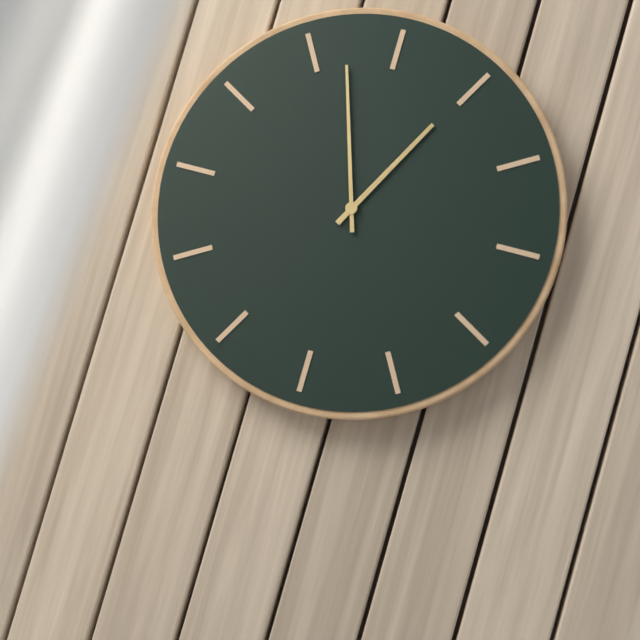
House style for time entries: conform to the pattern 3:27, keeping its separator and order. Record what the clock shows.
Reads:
12:57
